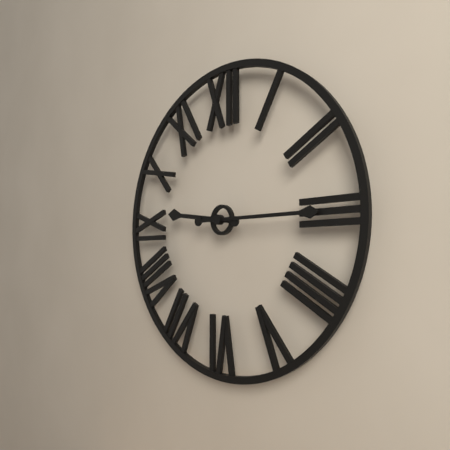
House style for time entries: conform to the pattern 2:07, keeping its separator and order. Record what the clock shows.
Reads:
9:15
